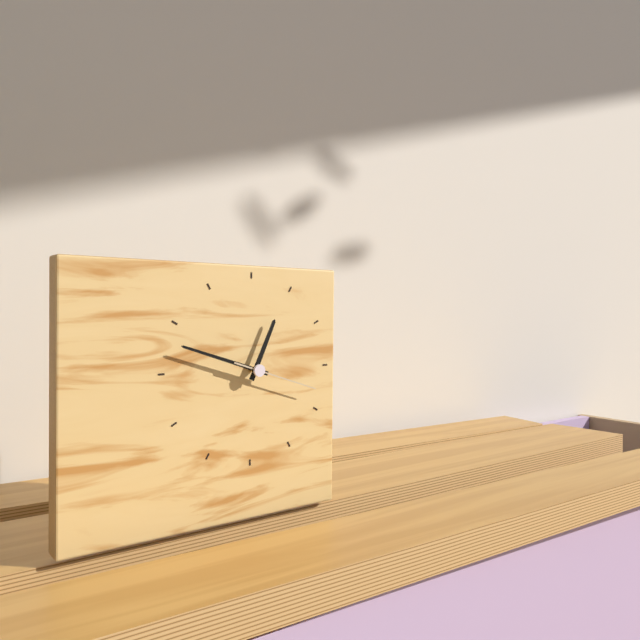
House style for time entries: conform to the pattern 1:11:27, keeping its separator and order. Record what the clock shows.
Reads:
12:48:18
